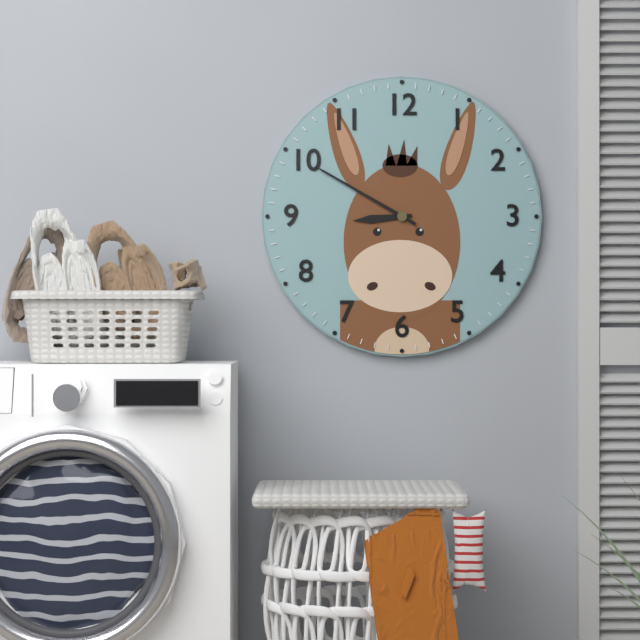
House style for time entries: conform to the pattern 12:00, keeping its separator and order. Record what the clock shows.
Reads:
8:50
